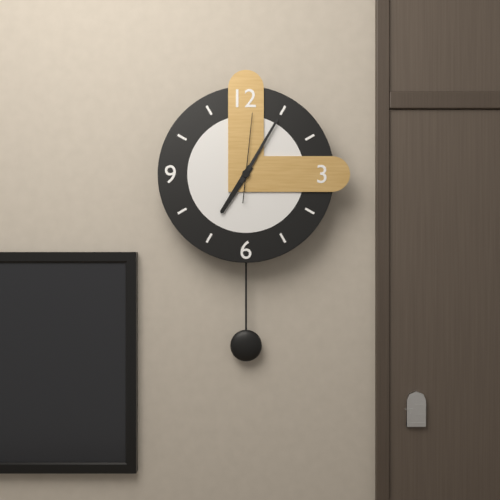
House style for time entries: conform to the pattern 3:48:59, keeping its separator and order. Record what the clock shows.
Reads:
7:05:01
